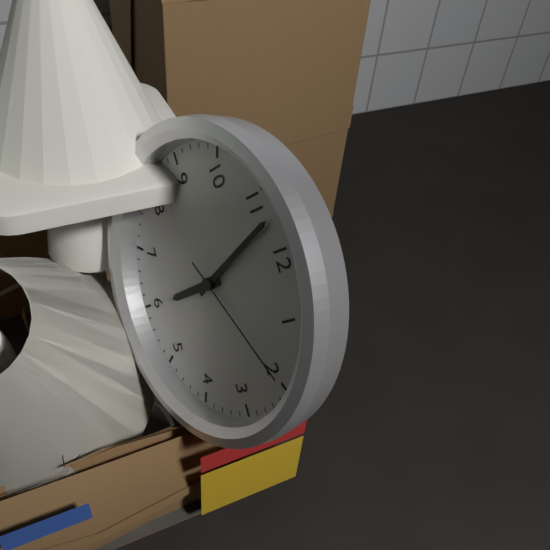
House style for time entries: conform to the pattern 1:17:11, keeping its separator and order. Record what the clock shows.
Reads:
5:57:10
